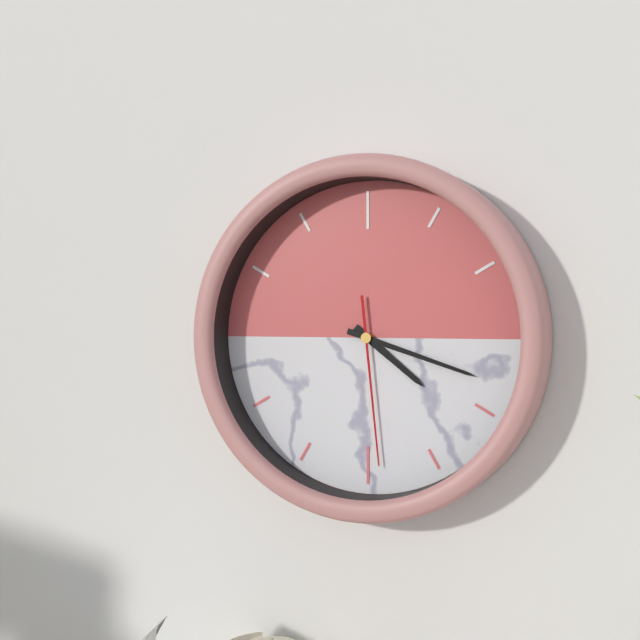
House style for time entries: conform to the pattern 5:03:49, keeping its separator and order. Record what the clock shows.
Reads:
4:18:29
